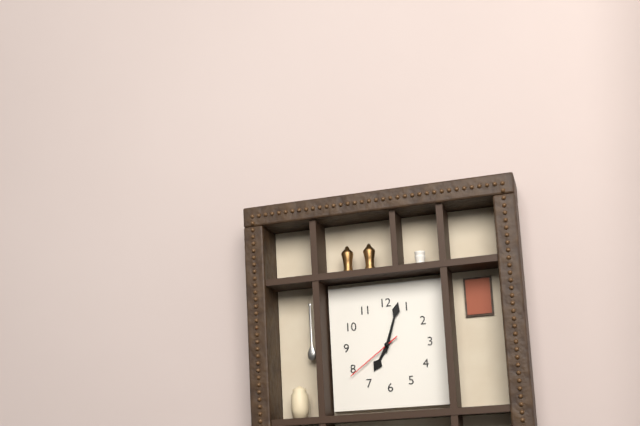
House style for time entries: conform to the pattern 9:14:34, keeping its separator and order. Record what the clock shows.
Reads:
7:03:39
